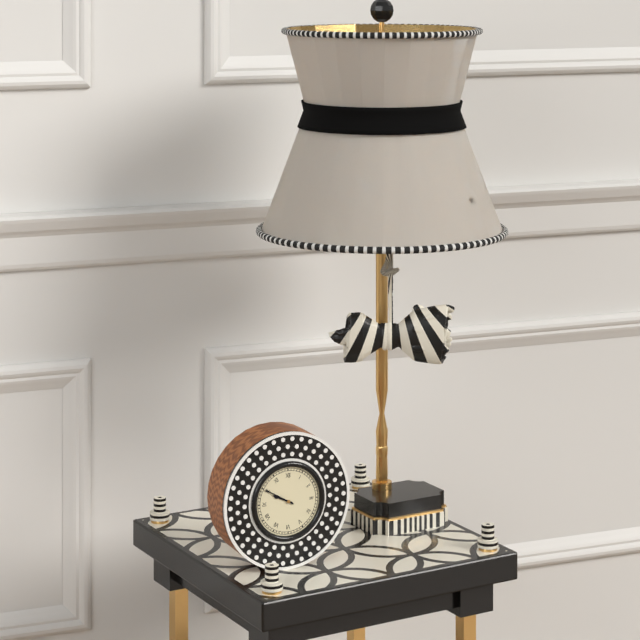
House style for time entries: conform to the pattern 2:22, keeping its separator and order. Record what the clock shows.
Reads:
9:50
